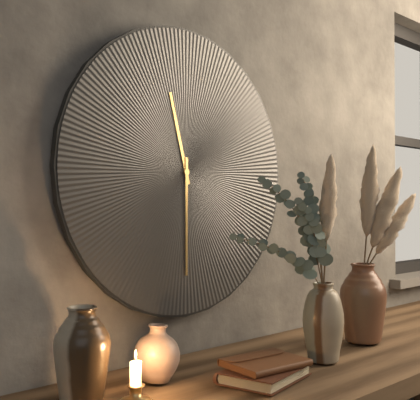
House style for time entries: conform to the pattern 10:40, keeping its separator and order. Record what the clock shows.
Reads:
11:30
